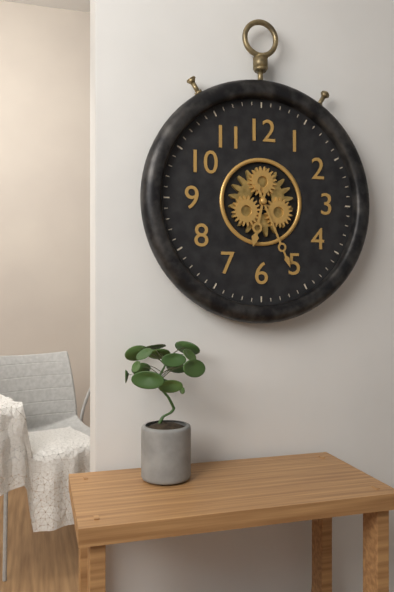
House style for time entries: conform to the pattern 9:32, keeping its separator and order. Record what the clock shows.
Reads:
6:26
